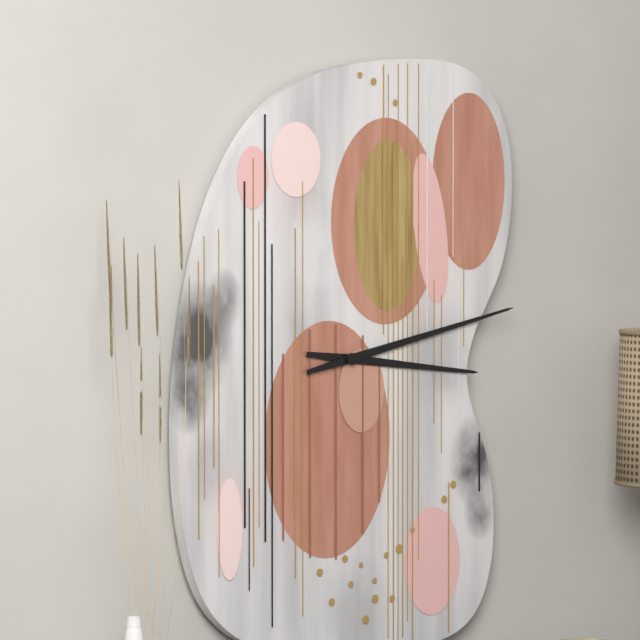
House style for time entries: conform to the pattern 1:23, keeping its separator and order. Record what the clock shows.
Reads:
3:13
